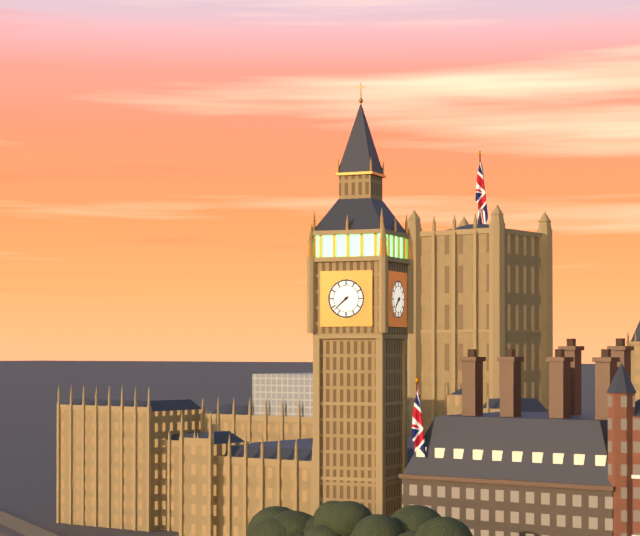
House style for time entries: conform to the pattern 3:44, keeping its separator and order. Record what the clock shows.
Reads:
7:38
